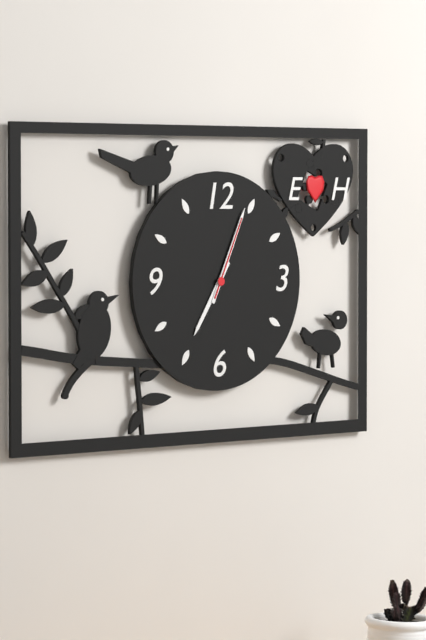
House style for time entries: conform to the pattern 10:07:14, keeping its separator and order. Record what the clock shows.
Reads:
7:04:04
